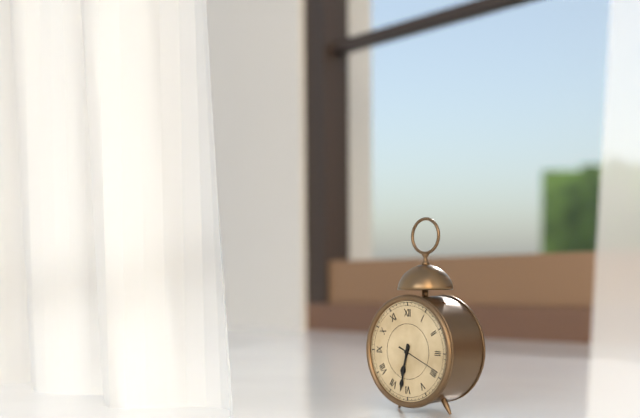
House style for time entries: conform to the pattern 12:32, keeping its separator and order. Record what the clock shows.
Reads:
6:32
